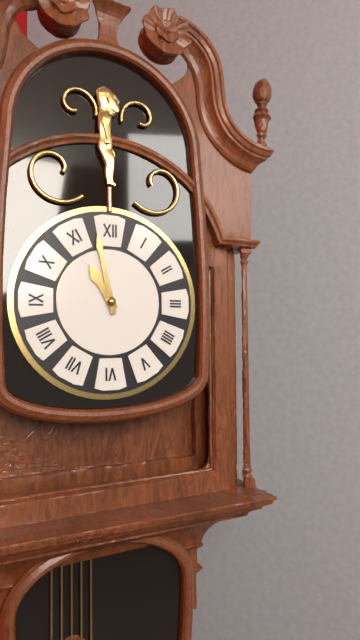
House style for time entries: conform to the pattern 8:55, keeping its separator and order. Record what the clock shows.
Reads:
10:58
